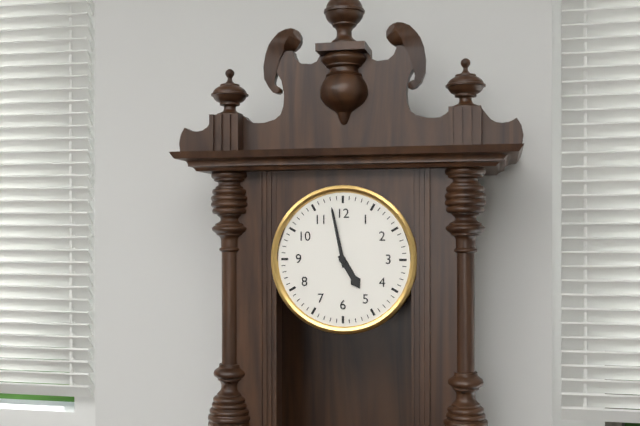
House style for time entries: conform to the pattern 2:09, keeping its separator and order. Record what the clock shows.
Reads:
4:58
